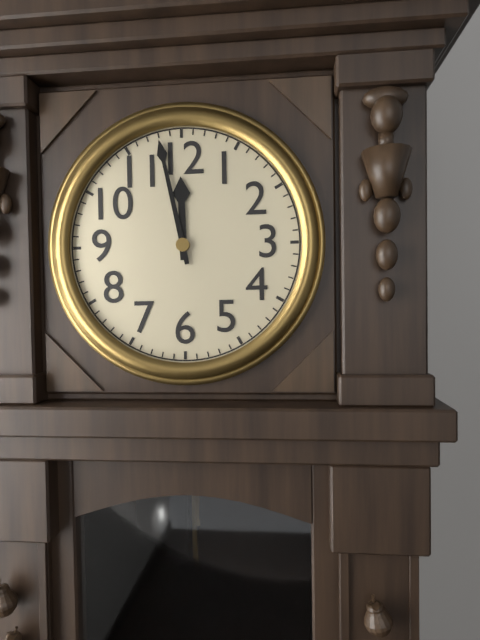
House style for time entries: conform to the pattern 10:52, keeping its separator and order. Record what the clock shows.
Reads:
11:58
